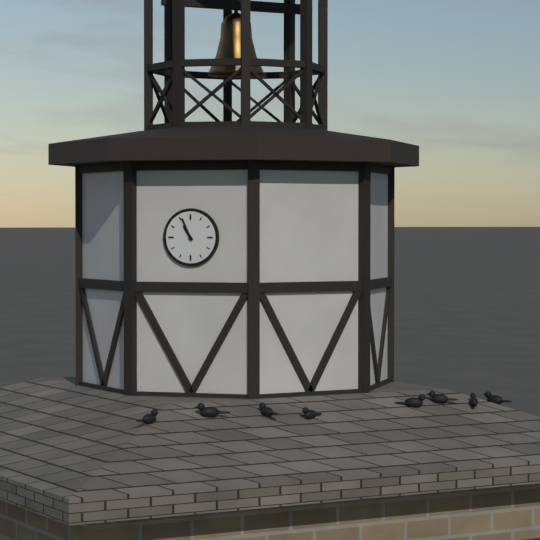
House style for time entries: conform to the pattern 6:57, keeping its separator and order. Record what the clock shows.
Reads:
10:56
